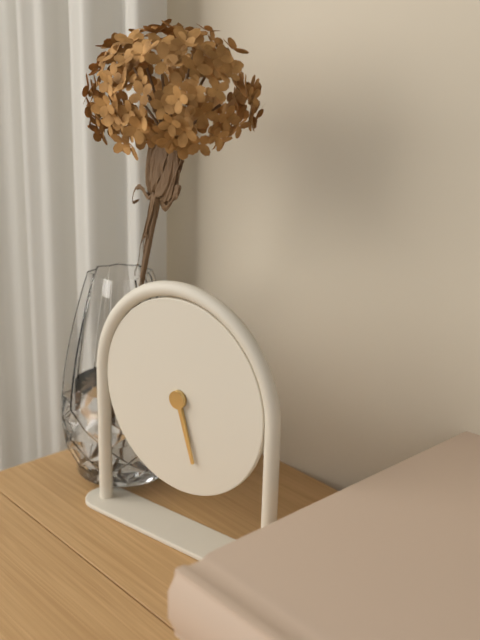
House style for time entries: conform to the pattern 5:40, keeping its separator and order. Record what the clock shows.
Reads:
5:27
